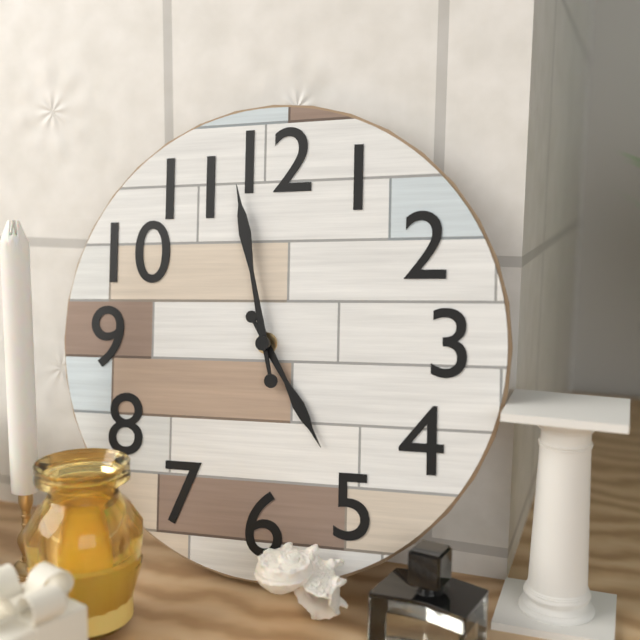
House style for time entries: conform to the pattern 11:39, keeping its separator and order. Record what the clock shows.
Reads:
4:58
